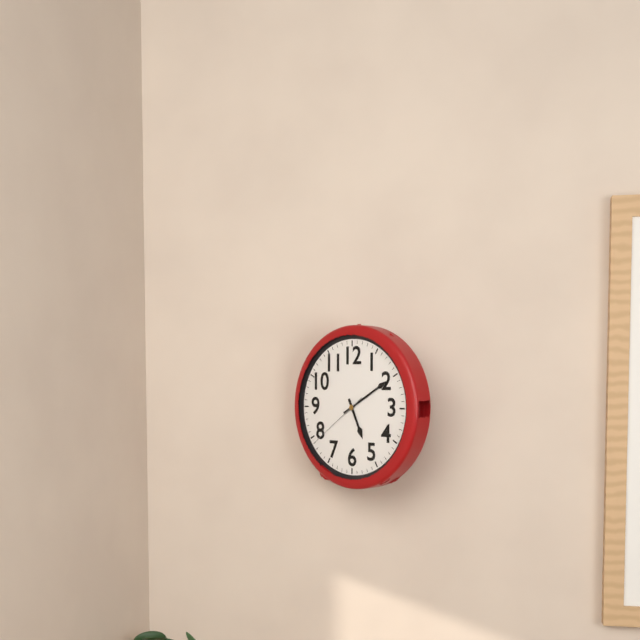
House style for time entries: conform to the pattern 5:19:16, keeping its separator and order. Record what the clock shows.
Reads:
5:10:39
